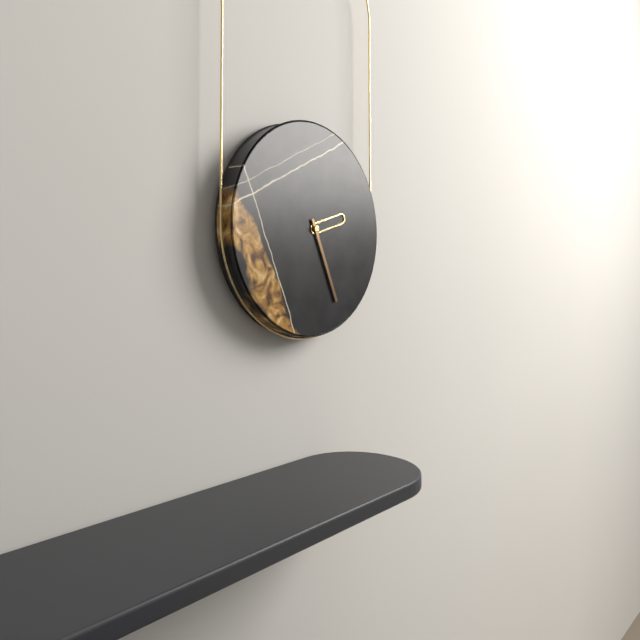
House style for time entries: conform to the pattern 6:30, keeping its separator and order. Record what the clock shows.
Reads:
2:26
